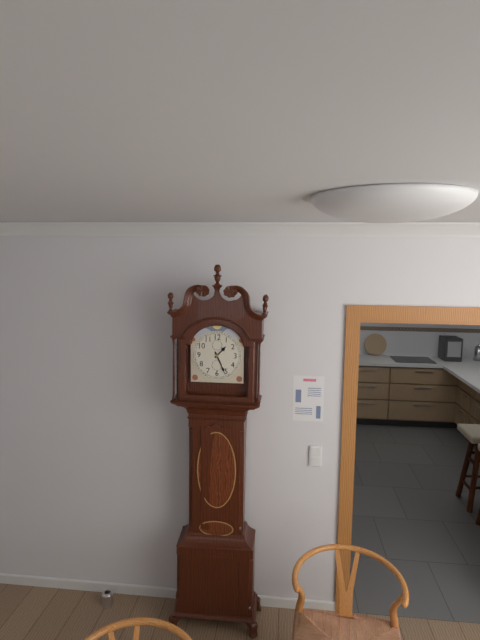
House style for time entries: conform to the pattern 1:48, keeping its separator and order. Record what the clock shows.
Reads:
1:26
